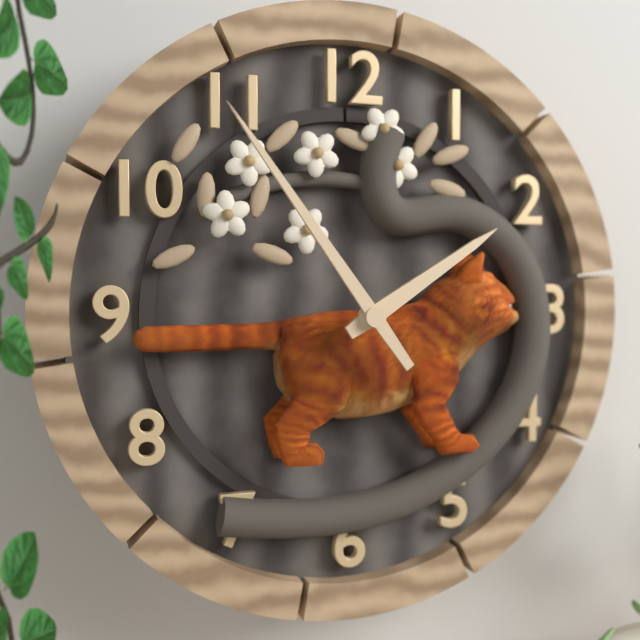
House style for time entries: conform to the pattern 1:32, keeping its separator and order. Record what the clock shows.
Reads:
1:54
